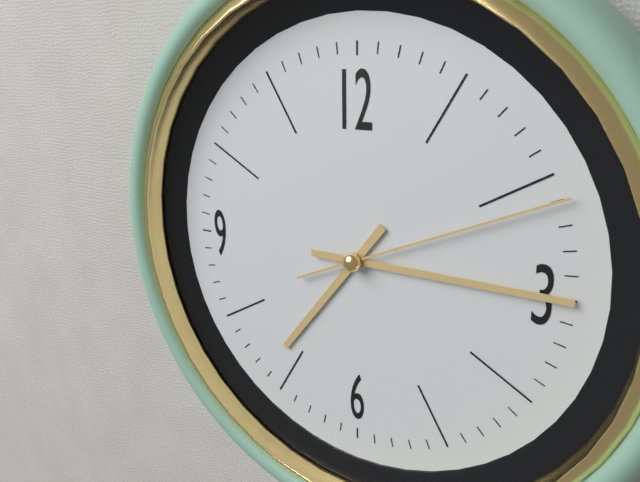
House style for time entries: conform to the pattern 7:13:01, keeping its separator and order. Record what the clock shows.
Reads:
7:15:11
